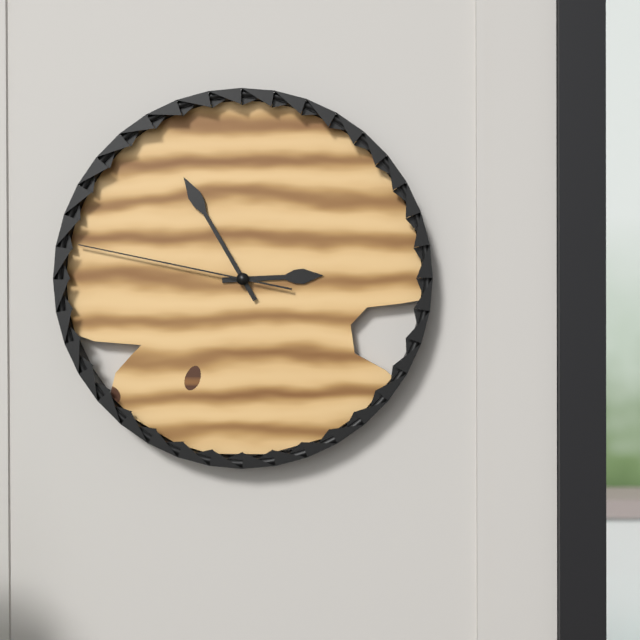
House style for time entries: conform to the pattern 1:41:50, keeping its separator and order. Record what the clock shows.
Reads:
2:55:47
